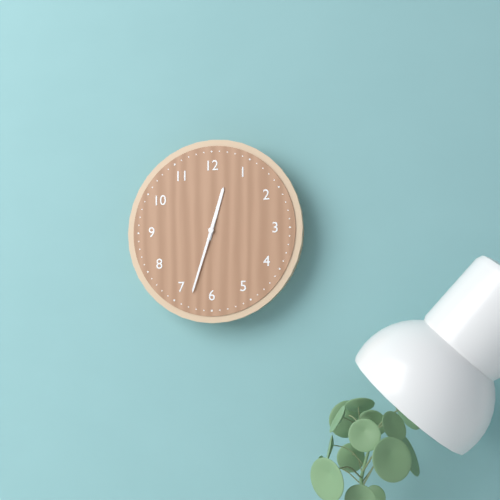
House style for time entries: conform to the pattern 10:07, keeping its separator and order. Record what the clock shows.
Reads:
12:33
